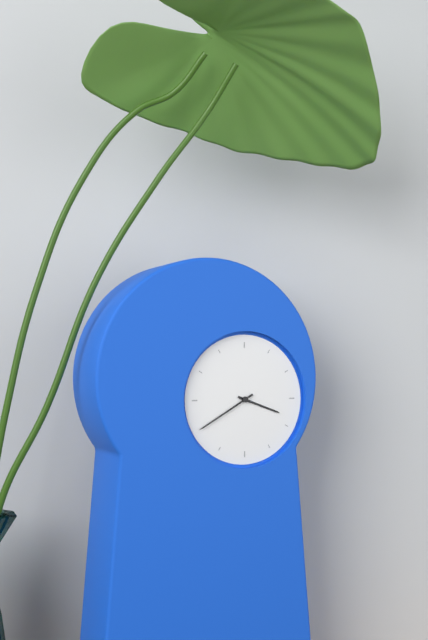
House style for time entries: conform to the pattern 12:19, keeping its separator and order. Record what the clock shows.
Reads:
3:40
